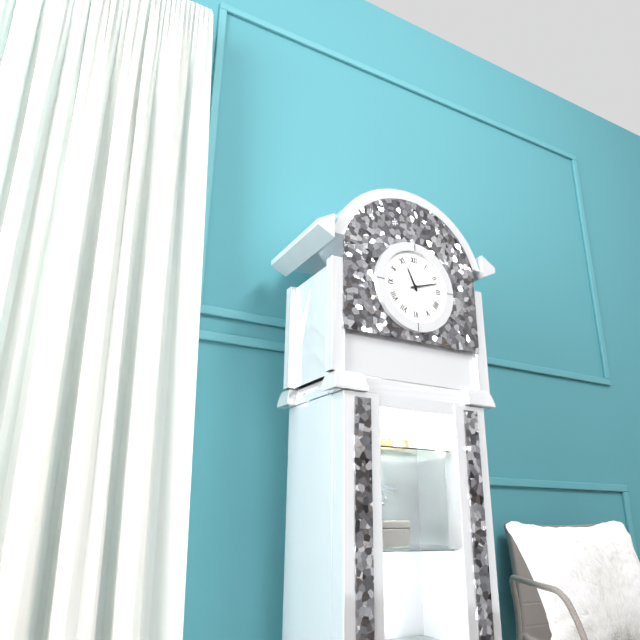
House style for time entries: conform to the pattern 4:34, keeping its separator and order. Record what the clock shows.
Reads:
11:12
